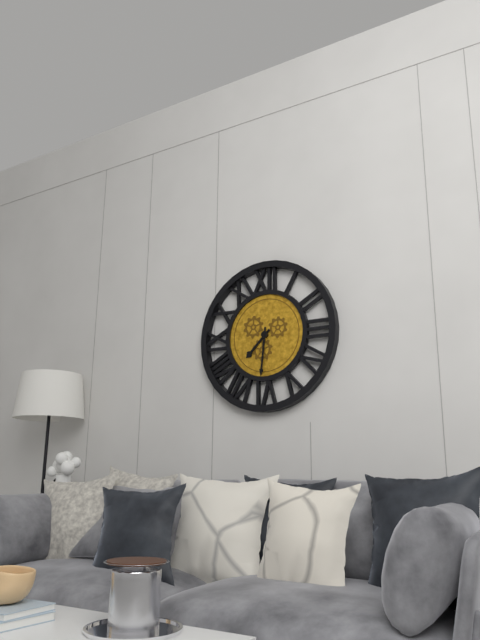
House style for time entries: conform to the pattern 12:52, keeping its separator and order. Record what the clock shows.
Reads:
7:31
